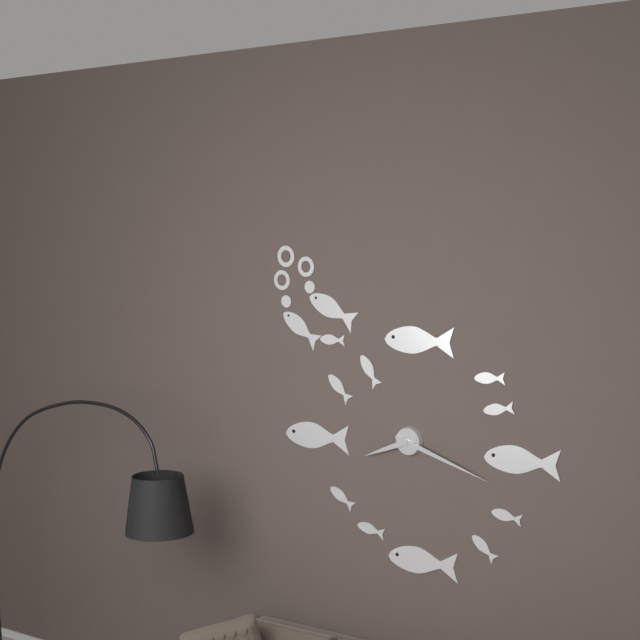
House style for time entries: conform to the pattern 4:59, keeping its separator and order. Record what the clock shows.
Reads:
8:18
